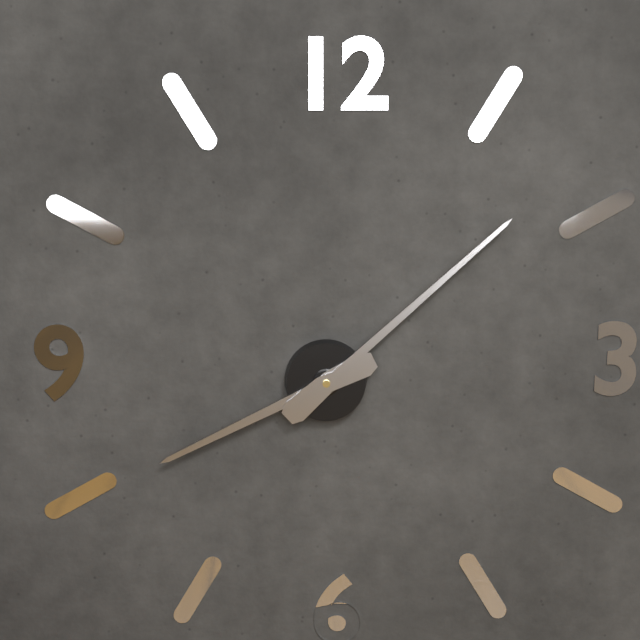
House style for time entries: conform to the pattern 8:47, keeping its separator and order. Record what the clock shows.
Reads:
8:08
